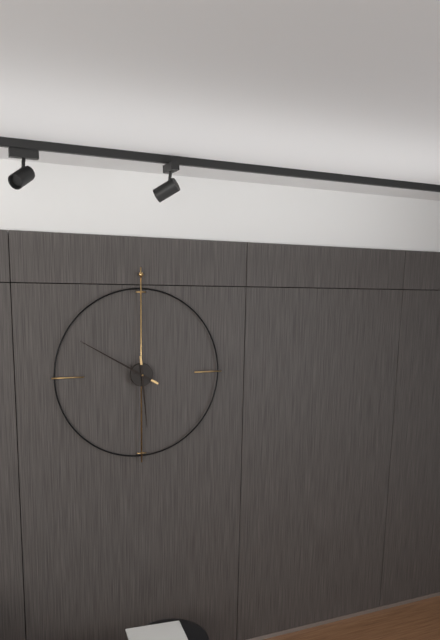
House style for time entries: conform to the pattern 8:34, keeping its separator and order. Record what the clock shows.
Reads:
5:50
